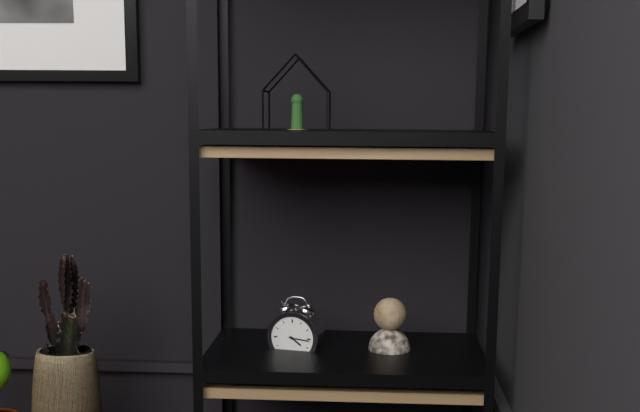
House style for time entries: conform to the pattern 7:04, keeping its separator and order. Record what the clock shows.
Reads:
4:16
